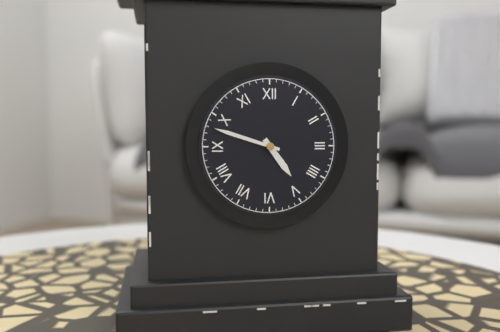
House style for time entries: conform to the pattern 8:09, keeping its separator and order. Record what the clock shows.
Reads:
4:48
